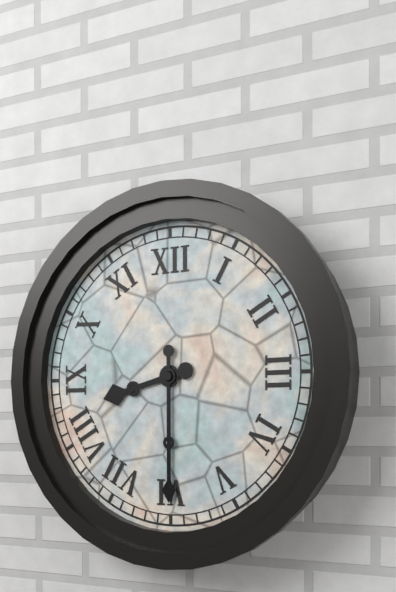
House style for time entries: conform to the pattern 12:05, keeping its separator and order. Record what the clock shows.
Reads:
8:30
